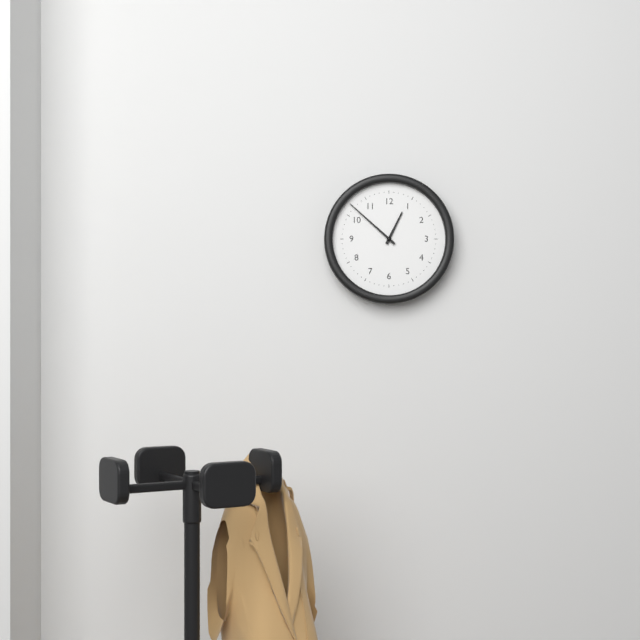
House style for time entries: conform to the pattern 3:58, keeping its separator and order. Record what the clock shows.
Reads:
12:52
